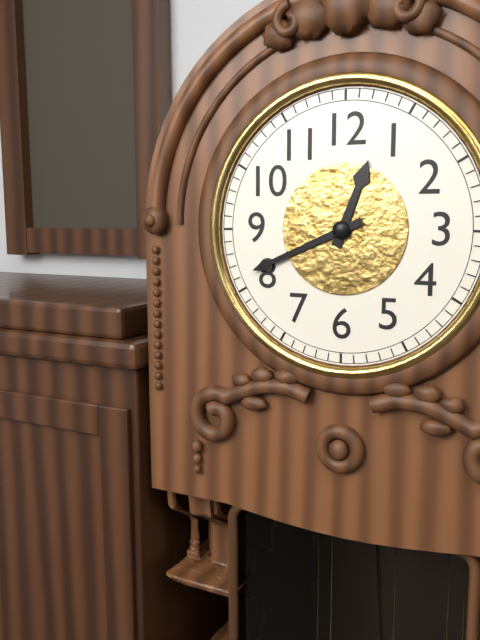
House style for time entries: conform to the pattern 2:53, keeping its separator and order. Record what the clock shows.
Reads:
12:41
